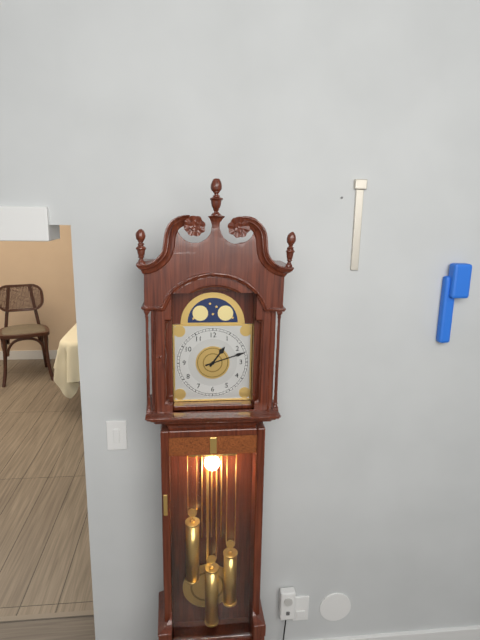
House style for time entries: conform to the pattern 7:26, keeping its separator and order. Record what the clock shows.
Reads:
1:12
